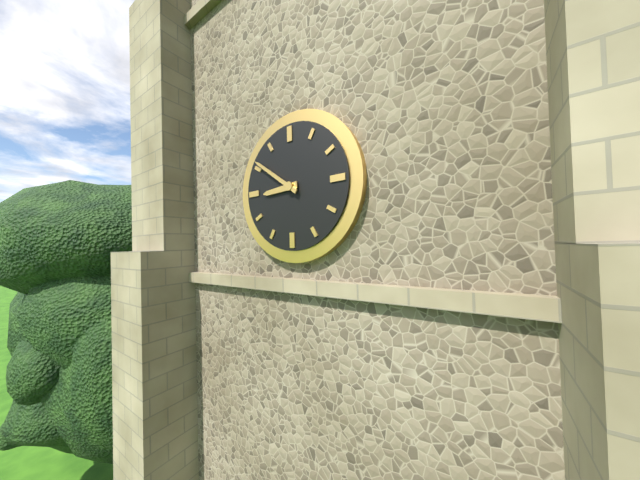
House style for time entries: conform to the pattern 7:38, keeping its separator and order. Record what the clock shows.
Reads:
8:51
